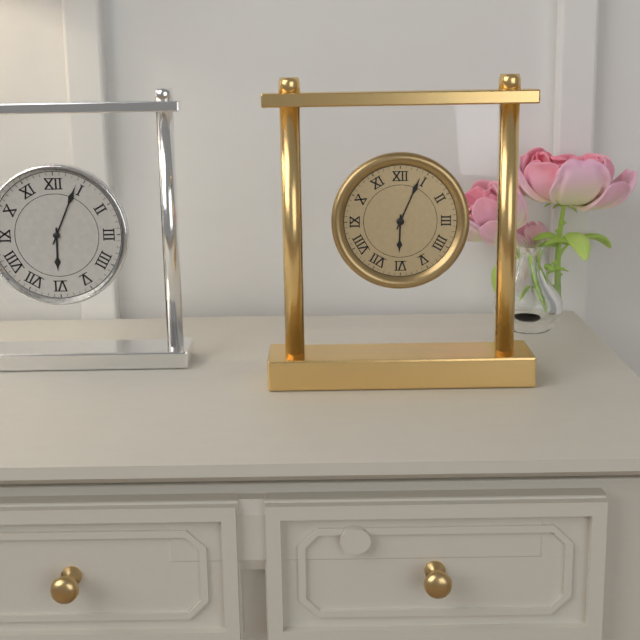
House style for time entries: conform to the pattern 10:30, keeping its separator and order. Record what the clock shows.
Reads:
6:04
